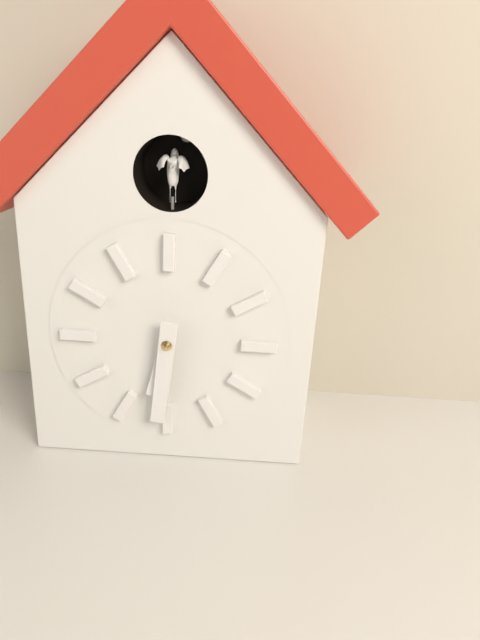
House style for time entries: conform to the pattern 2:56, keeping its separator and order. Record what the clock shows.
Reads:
6:31
